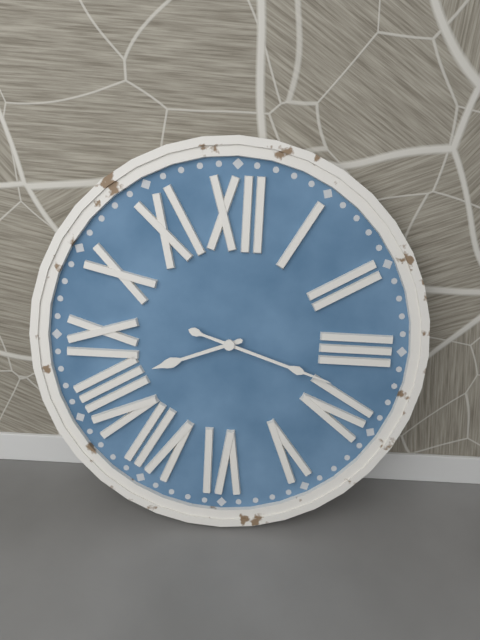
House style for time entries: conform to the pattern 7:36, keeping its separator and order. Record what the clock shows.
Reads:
8:18
